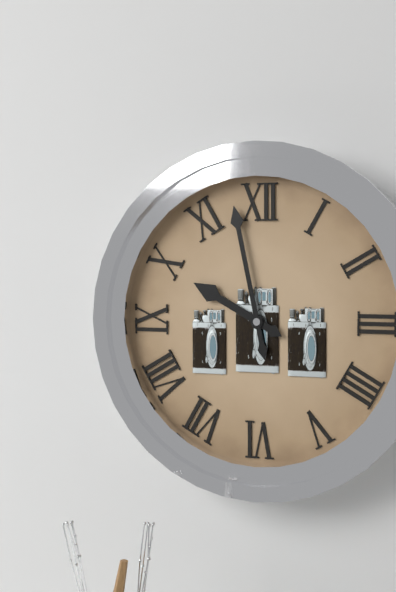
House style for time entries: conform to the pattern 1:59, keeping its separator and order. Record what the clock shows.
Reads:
9:58
